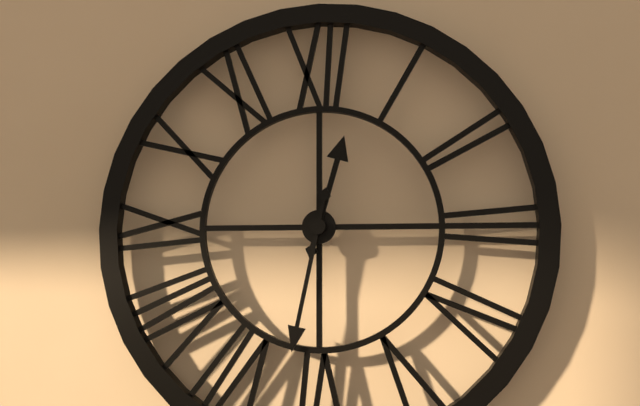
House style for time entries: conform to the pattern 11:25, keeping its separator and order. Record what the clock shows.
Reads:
12:32
